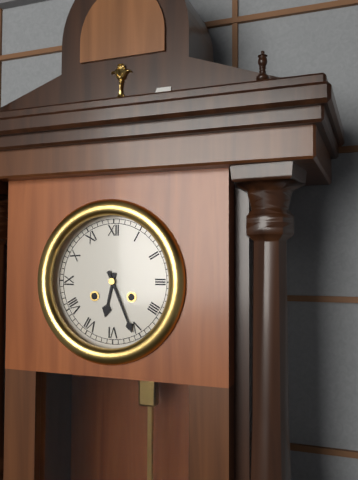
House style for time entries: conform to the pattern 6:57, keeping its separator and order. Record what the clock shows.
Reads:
6:26
